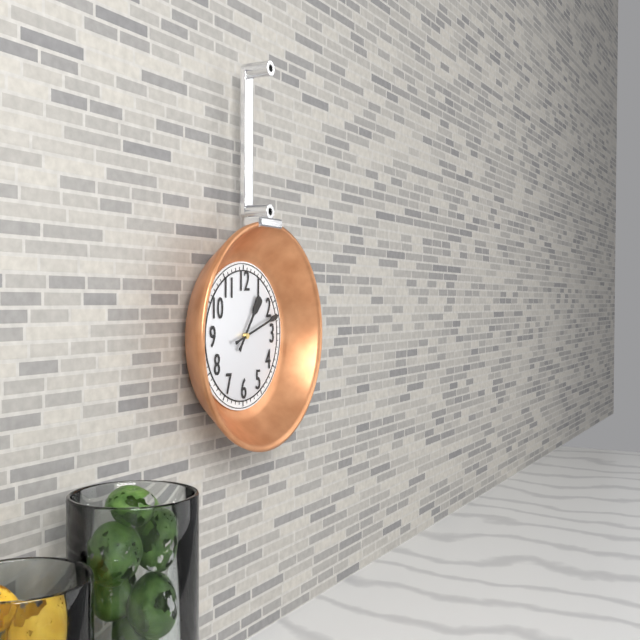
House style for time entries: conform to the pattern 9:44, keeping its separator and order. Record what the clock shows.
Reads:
1:12
